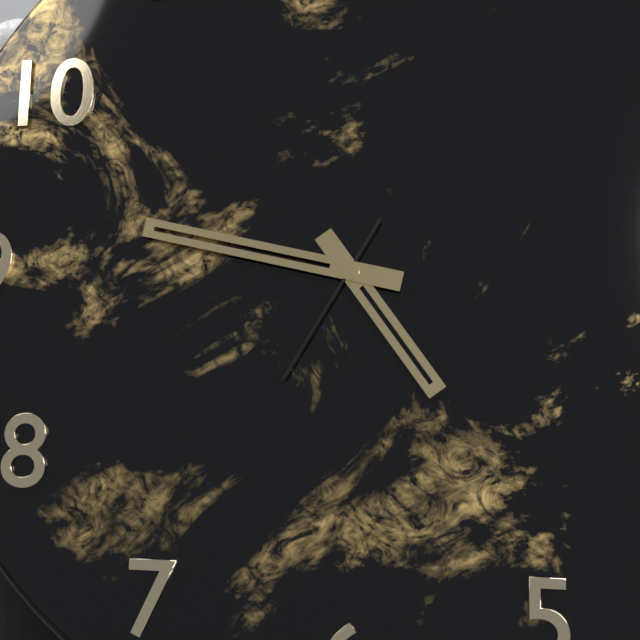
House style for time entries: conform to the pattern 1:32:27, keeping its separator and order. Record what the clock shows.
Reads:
4:47:35
